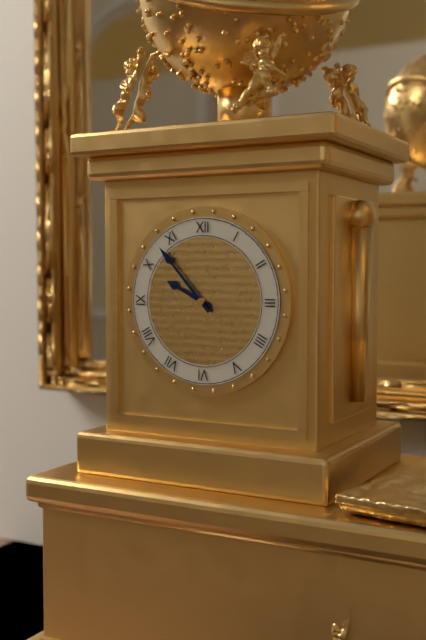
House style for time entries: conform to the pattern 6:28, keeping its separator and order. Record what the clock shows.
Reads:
9:53
